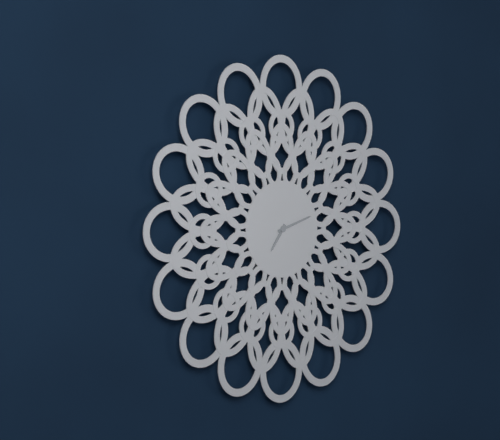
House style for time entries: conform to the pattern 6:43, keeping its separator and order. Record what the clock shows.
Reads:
7:12
